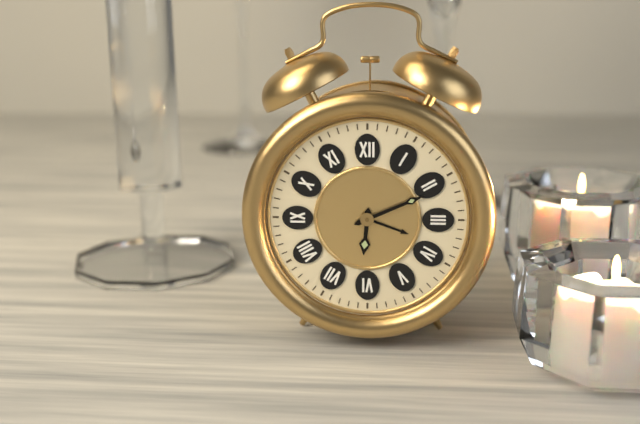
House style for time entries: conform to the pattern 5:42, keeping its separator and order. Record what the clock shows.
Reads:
6:11
